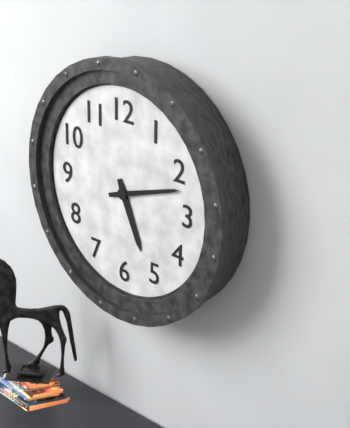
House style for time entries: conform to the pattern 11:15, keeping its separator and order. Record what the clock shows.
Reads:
5:12
